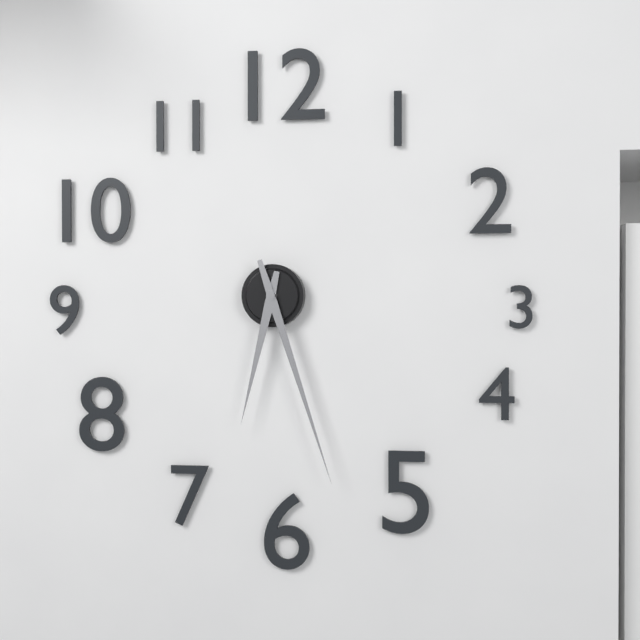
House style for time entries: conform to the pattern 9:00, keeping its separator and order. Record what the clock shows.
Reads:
6:27
